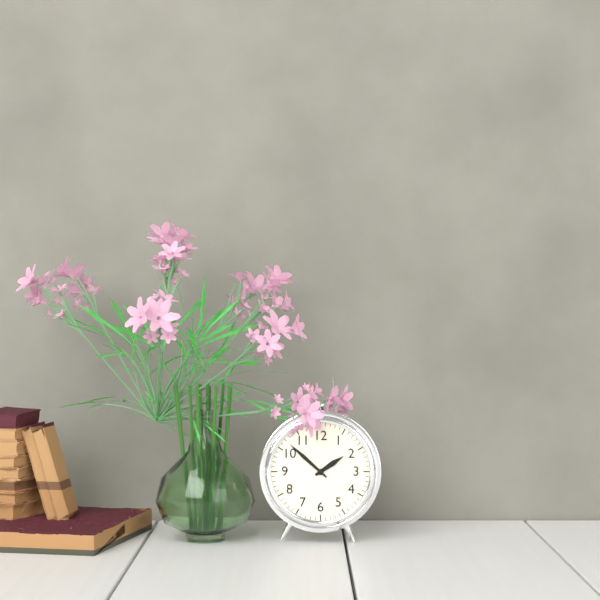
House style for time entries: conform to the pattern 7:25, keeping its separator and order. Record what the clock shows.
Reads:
1:52
